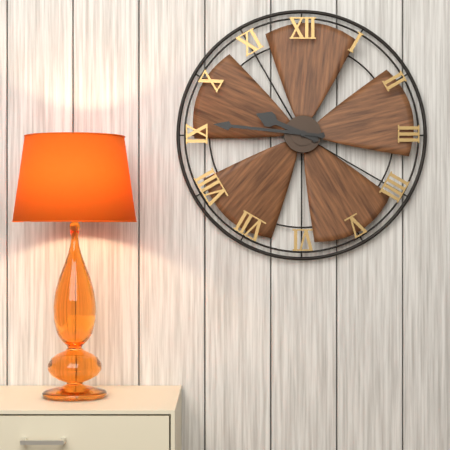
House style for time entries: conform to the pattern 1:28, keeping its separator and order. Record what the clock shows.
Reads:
9:46
